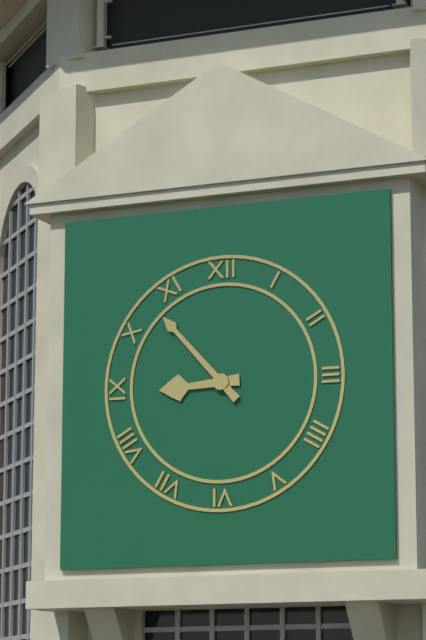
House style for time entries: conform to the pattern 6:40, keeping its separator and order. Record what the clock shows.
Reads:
8:53
